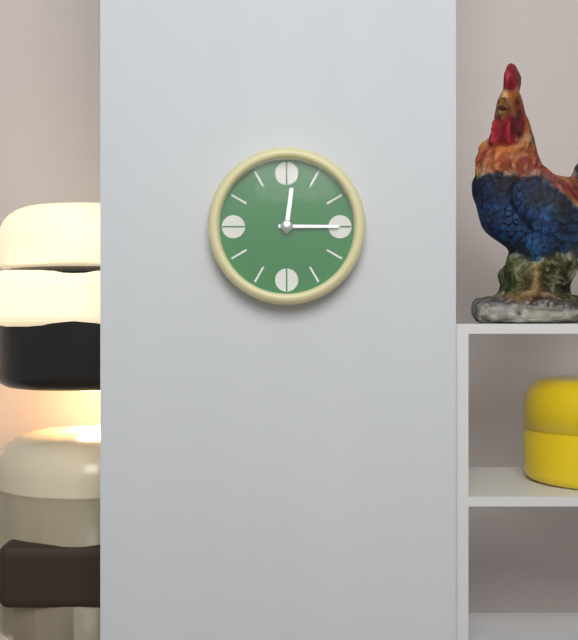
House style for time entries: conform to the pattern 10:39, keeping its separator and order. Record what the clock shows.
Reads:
12:15
